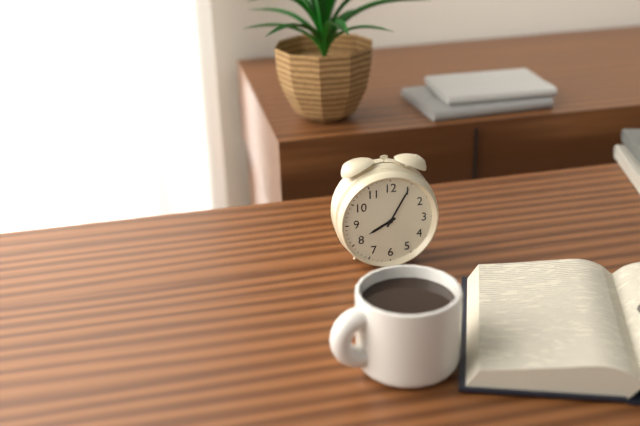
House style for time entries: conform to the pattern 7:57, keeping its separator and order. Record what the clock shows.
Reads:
8:05
